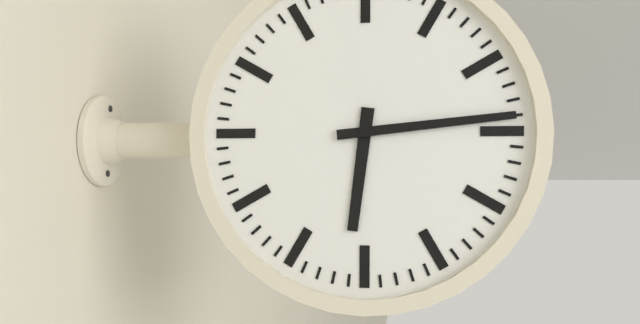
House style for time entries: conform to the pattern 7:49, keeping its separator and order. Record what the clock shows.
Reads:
6:14
